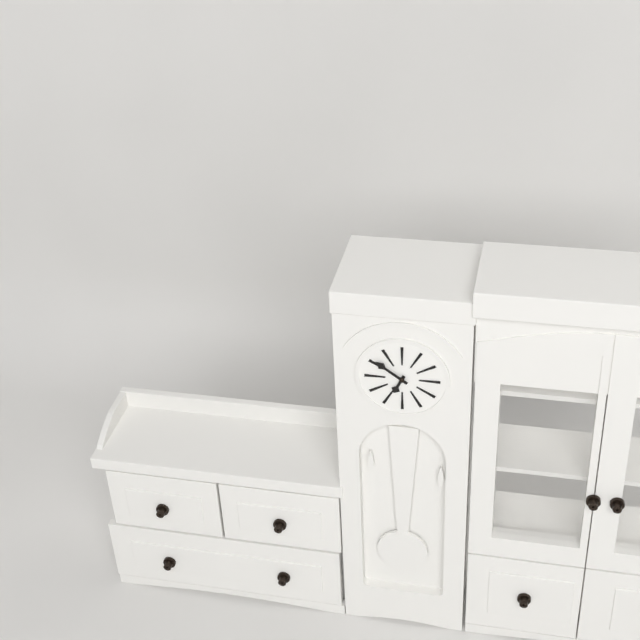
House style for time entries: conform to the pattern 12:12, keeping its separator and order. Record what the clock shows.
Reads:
6:51
